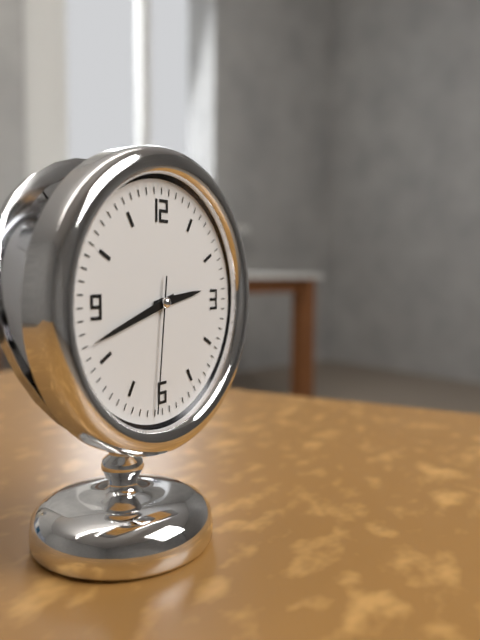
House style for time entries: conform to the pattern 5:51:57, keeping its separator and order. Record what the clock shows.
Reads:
2:42:31
